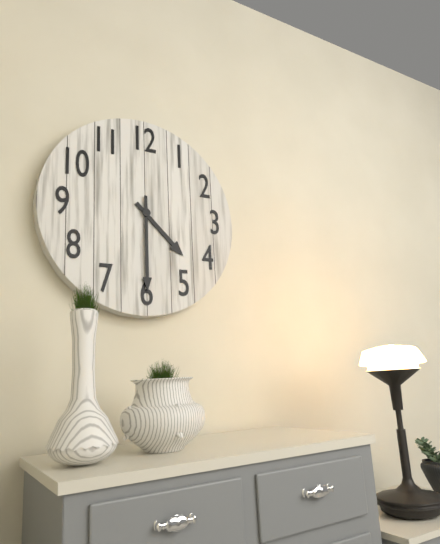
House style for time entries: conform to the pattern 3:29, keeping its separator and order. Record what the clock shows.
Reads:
4:30
